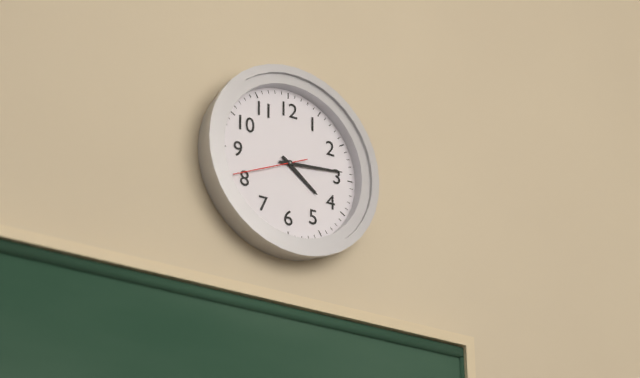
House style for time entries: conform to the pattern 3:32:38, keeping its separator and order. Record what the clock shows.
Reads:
4:14:41
